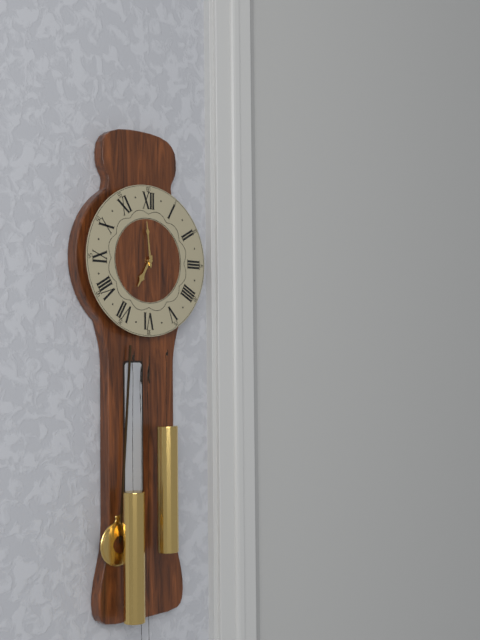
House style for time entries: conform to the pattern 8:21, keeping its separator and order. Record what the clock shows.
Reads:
6:59
